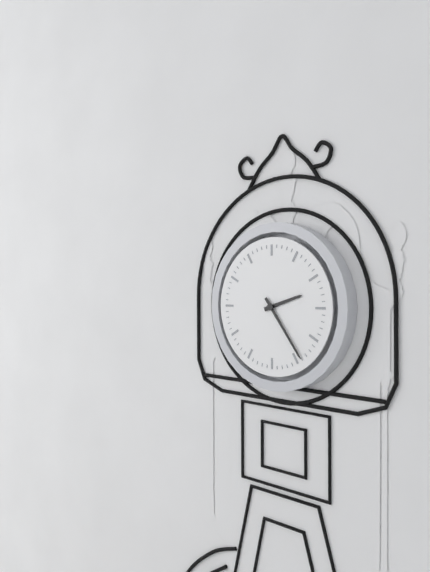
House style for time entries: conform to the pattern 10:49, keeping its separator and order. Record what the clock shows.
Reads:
2:24
